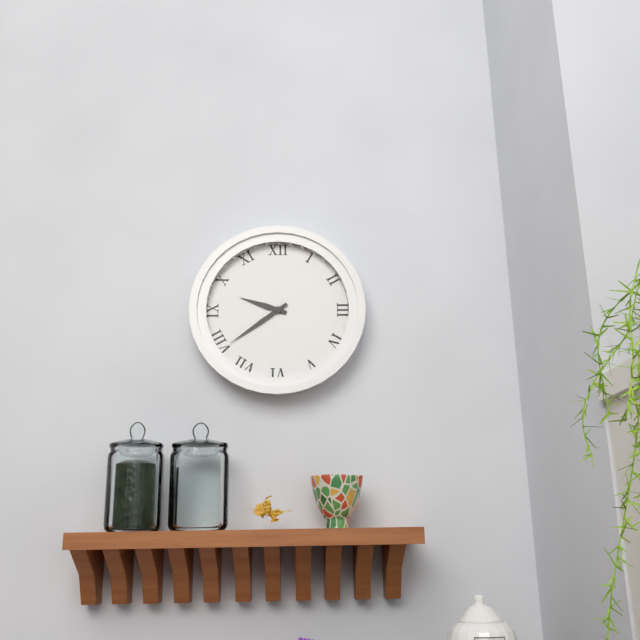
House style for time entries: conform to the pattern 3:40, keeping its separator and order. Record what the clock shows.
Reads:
9:39
